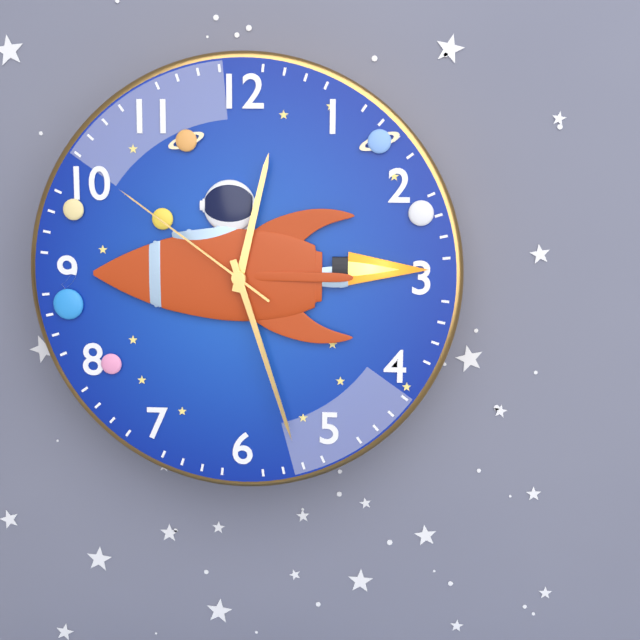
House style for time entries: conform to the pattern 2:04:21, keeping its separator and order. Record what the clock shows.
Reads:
12:27:51
